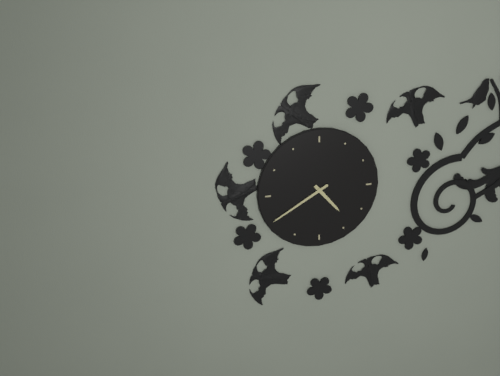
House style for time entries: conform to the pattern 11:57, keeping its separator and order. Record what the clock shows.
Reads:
4:40
